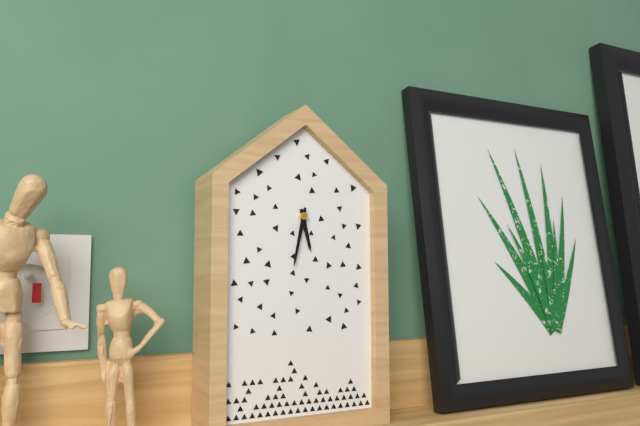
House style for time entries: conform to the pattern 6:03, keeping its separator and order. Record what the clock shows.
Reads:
5:32
